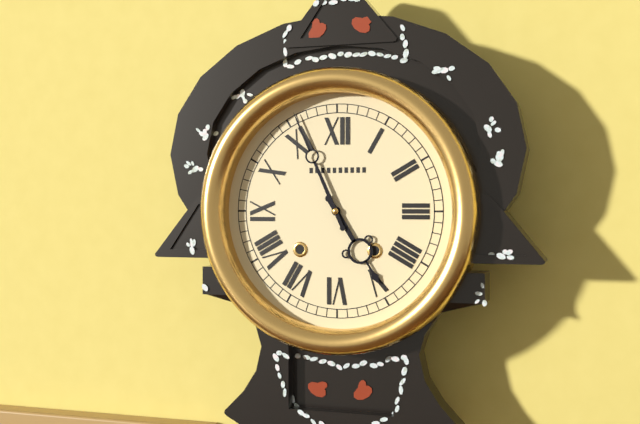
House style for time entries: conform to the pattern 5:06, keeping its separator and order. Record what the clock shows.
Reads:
4:56
